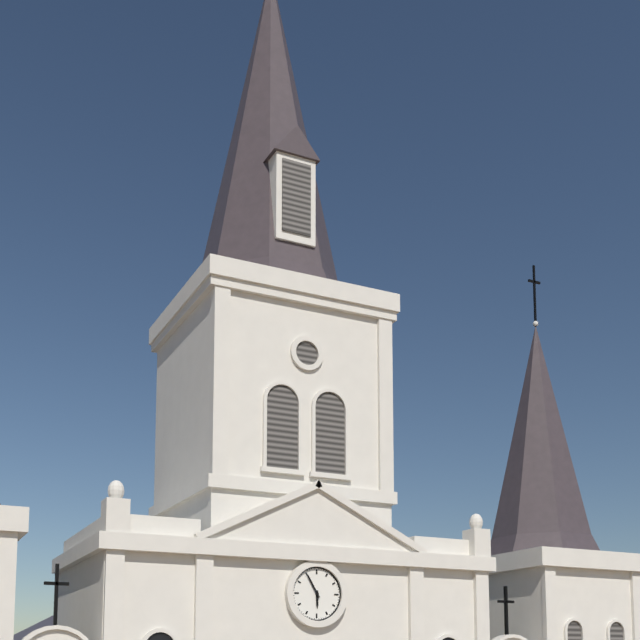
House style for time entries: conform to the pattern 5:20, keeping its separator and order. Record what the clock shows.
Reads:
5:55
